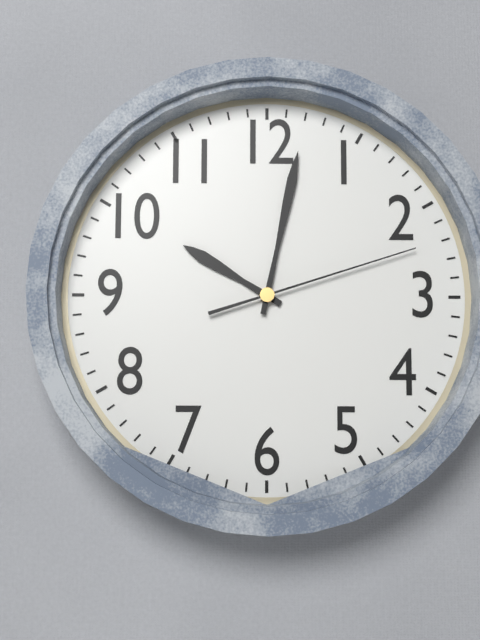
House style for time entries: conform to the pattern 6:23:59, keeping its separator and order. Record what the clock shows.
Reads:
10:02:12
